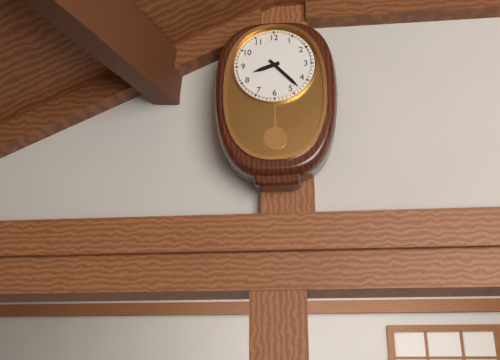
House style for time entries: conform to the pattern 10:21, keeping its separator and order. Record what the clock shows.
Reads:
8:23
